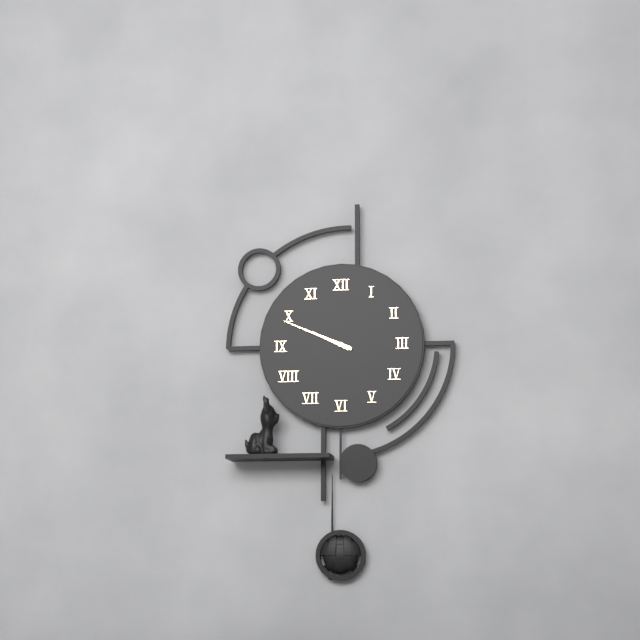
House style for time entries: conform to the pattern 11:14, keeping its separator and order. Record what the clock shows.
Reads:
9:49
